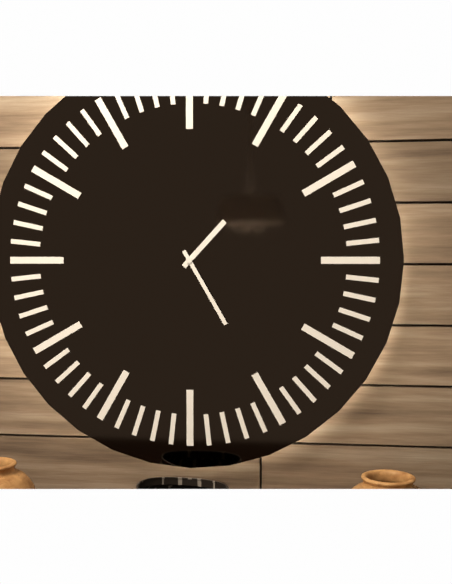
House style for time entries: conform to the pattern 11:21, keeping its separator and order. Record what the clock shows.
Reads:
1:25
